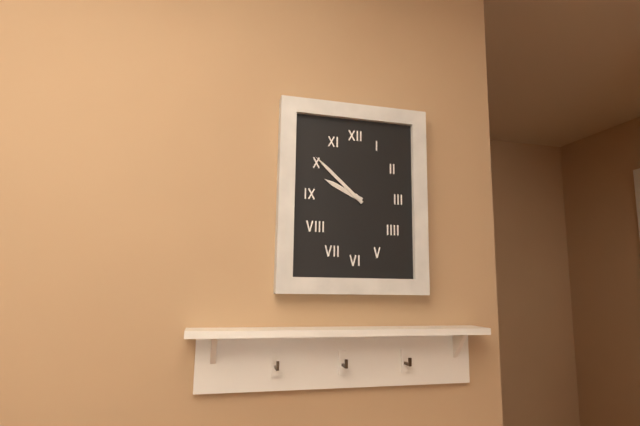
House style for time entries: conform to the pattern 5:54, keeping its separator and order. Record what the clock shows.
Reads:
9:52
